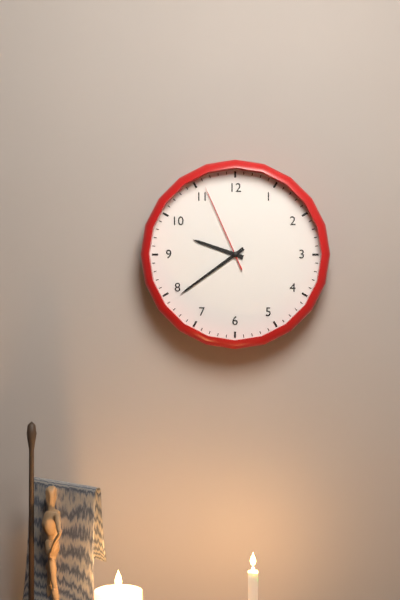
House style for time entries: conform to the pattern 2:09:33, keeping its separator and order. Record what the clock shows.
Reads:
9:39:56
